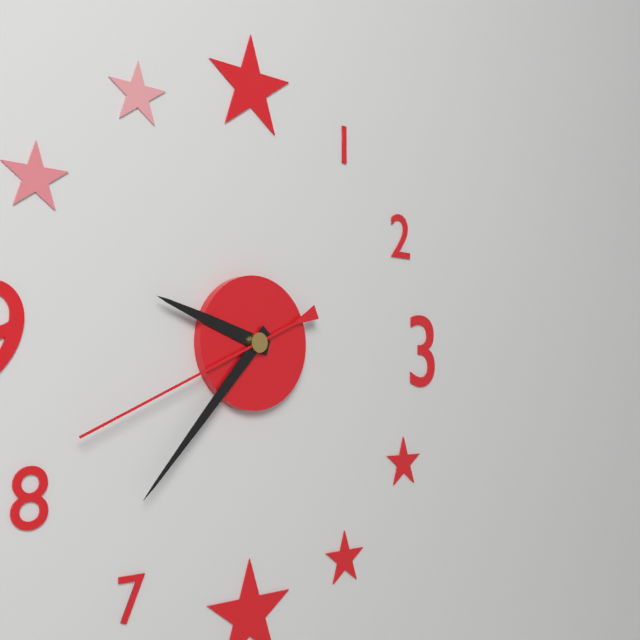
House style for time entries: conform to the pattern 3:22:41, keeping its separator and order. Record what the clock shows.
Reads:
9:37:41
